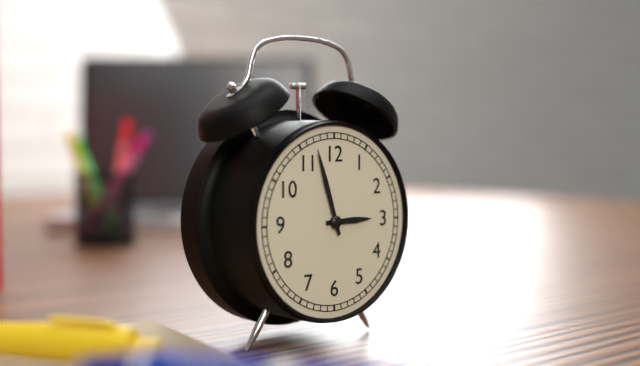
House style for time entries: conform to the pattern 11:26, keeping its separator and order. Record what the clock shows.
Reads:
2:57
